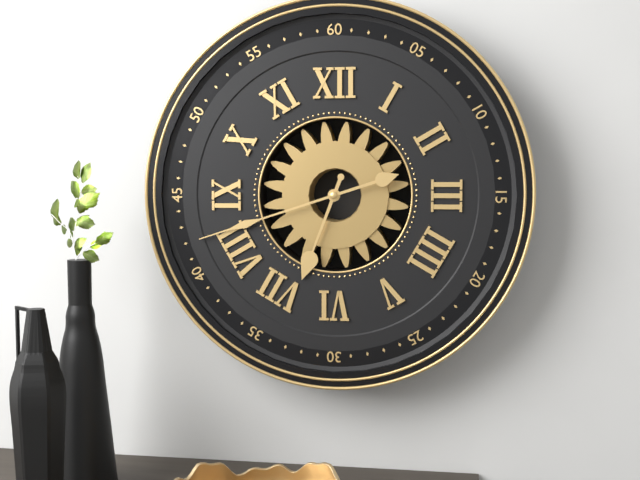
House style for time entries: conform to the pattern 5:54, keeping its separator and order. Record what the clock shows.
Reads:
6:42
